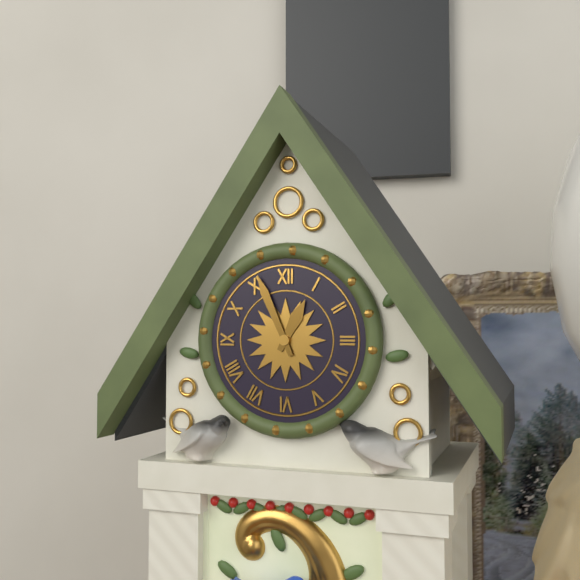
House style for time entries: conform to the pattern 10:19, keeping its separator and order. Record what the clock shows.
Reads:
12:56
